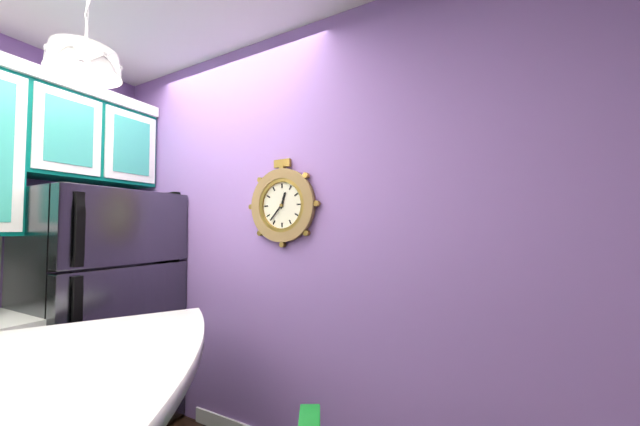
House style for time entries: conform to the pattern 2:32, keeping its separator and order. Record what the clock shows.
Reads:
12:37
